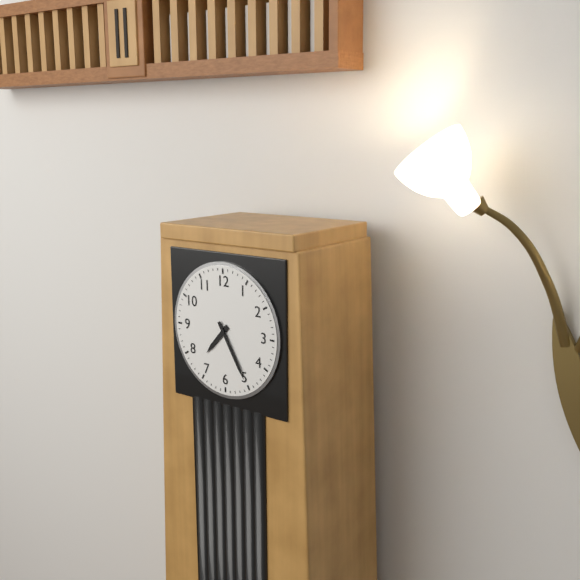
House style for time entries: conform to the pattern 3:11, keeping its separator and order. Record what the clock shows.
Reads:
7:25
